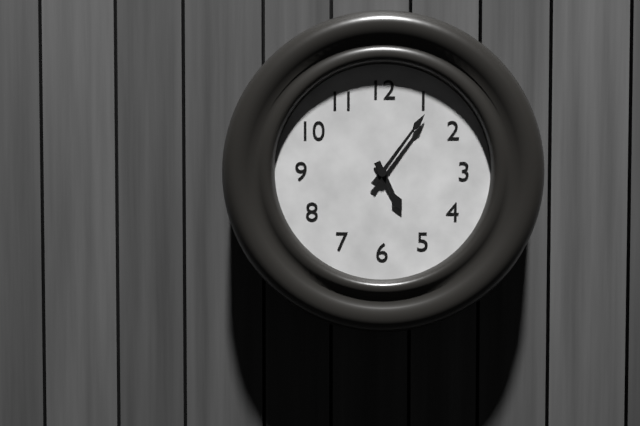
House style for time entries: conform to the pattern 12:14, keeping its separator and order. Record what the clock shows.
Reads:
5:06
